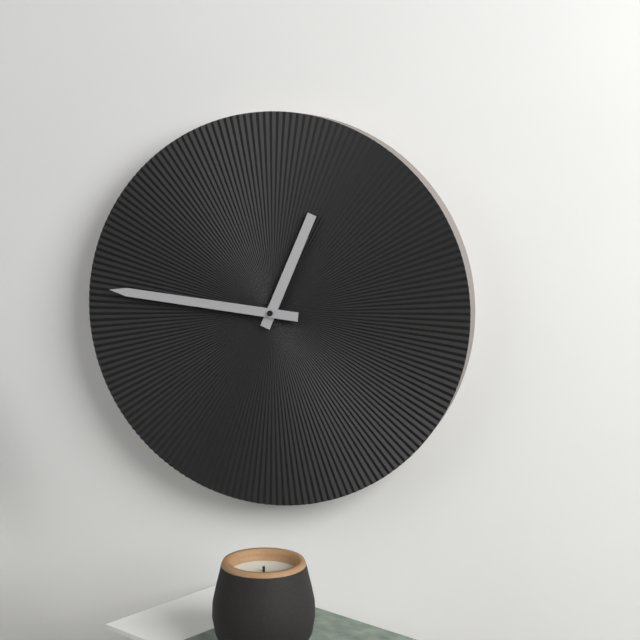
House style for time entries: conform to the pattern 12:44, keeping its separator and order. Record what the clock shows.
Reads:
12:46
